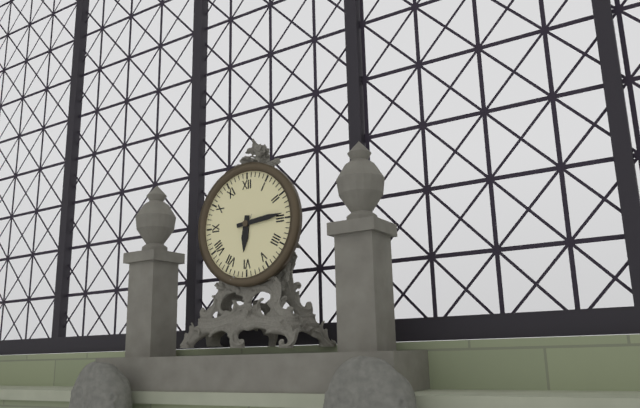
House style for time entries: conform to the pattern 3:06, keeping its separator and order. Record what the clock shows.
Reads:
6:14
